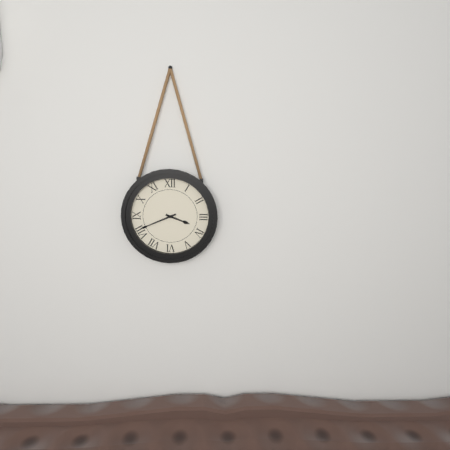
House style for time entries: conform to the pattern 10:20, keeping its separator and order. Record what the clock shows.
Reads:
3:41
